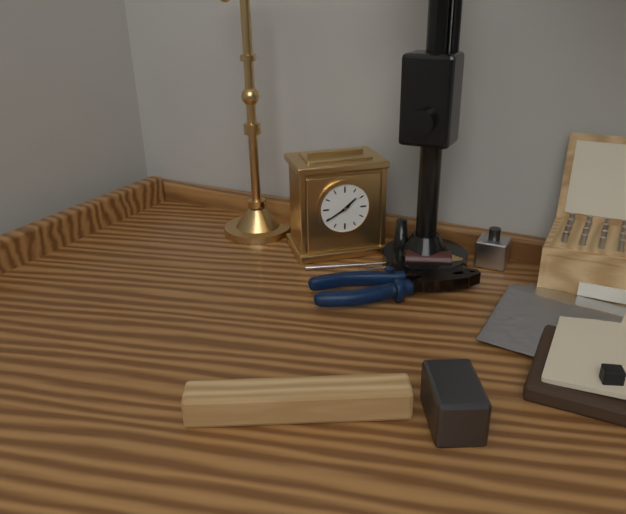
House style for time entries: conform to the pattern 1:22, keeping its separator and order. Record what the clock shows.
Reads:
1:40
